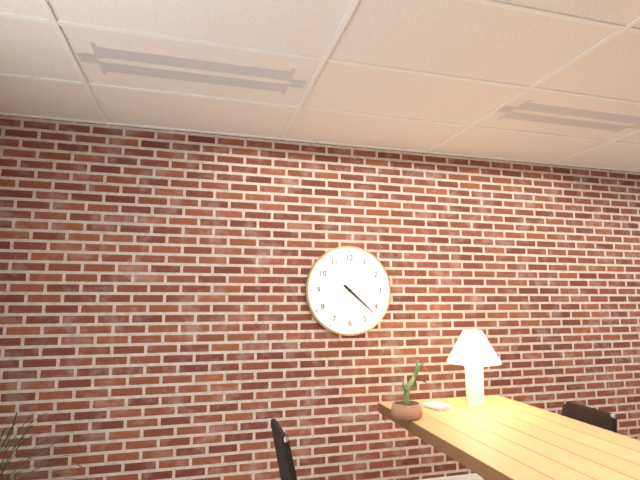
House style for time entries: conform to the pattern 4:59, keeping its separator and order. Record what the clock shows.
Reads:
4:22
